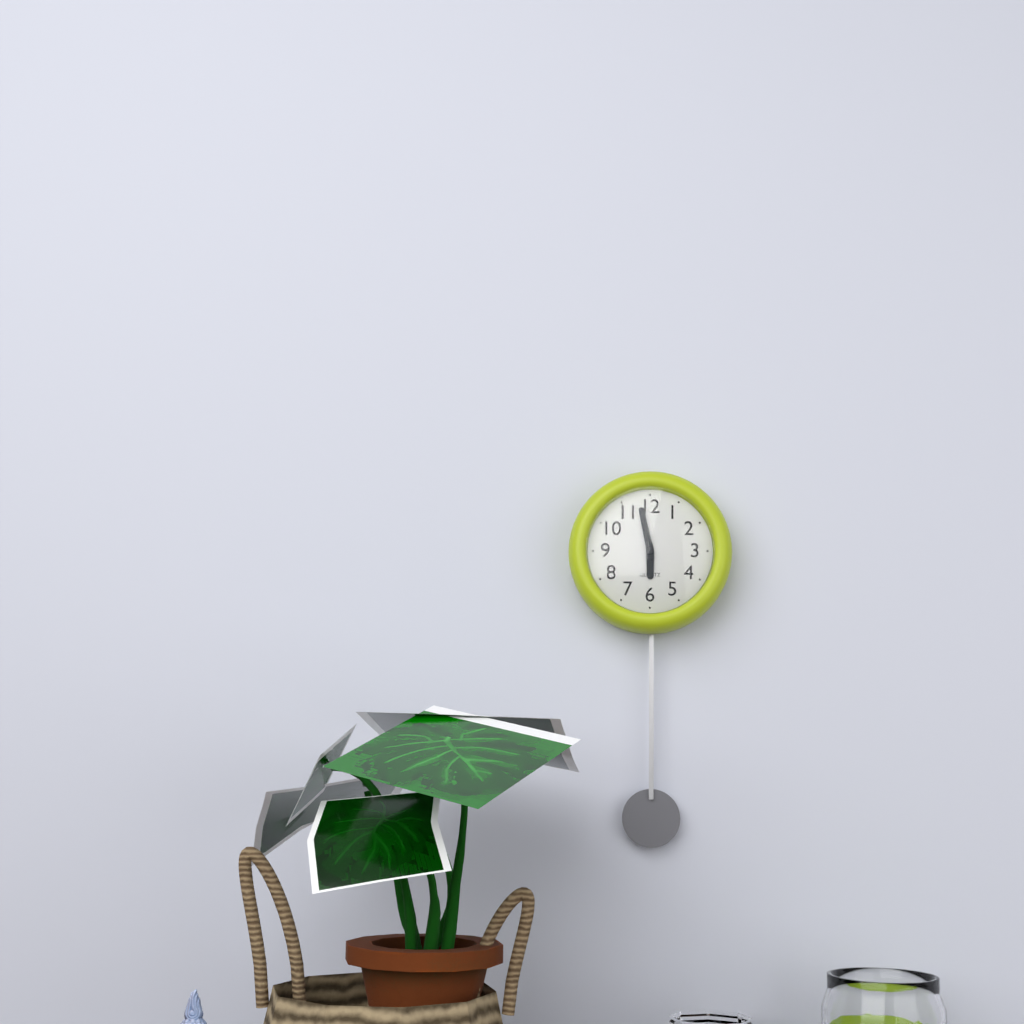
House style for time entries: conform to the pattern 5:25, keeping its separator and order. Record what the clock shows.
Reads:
5:58
